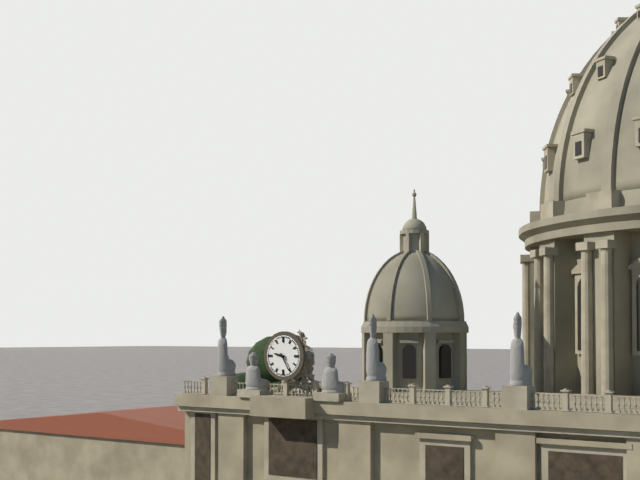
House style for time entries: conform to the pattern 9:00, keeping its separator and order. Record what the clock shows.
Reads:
9:25
